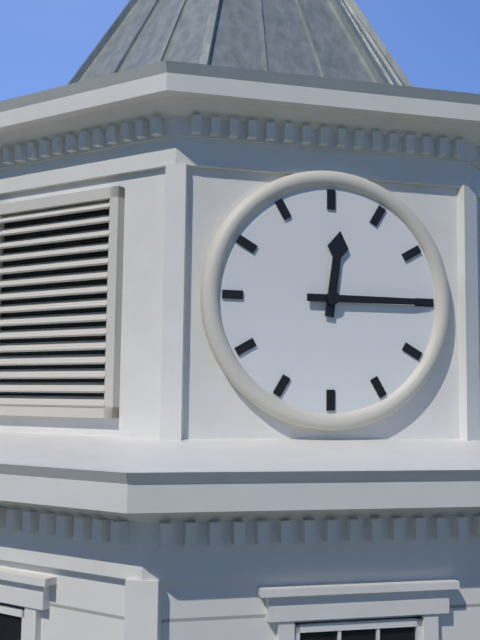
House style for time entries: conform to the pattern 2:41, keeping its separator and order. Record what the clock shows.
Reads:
12:15
